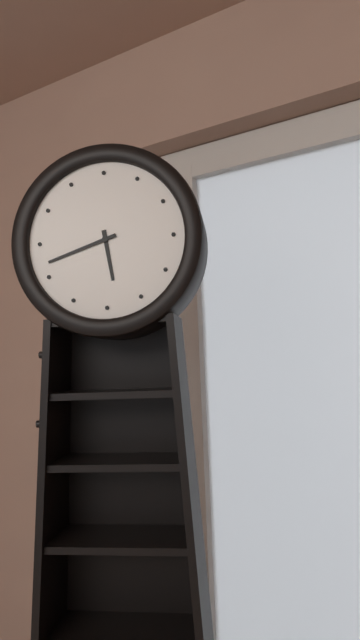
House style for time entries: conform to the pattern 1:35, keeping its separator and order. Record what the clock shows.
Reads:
5:42
